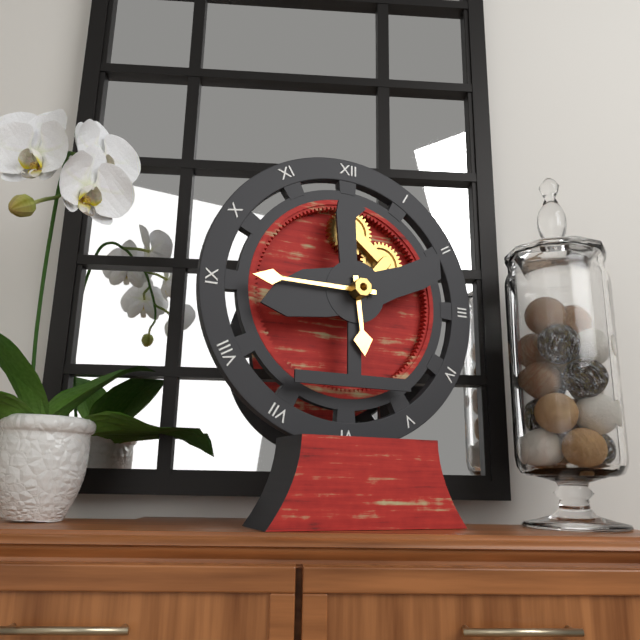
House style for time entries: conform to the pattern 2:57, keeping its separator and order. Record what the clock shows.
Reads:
5:45
